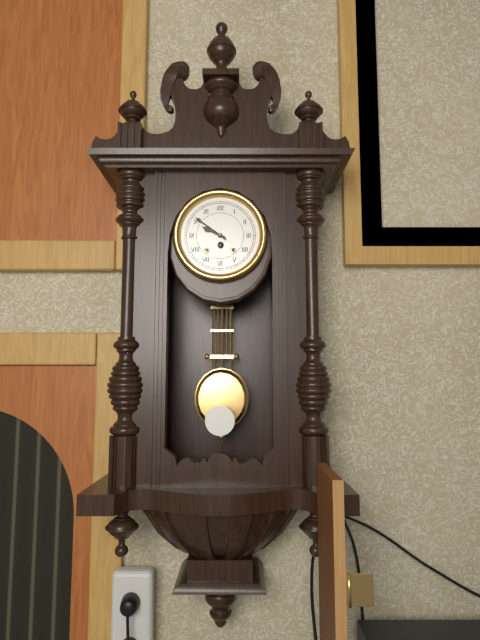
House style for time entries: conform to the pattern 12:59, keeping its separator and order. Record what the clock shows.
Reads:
9:51
